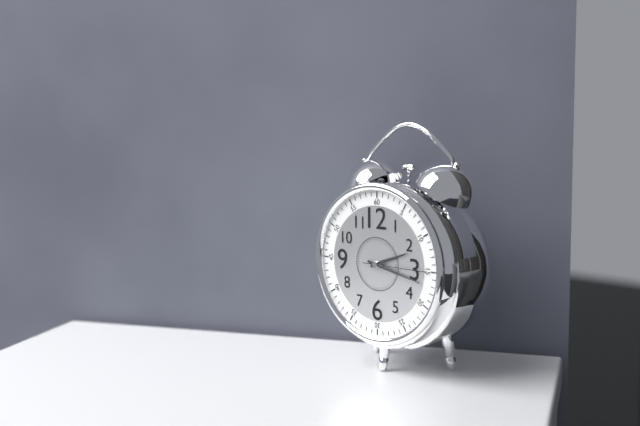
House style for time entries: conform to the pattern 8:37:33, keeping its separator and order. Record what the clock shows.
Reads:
2:17:15
